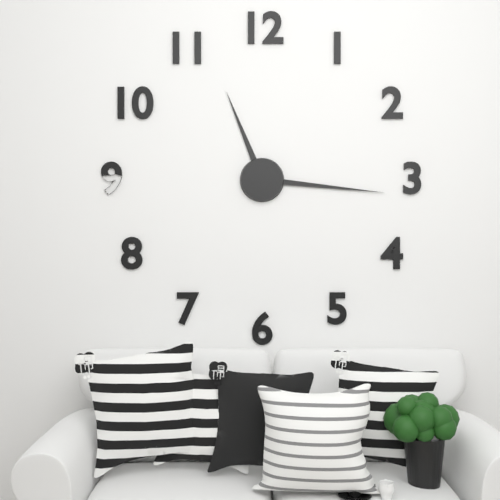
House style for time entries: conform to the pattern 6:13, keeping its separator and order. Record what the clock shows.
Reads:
11:16
